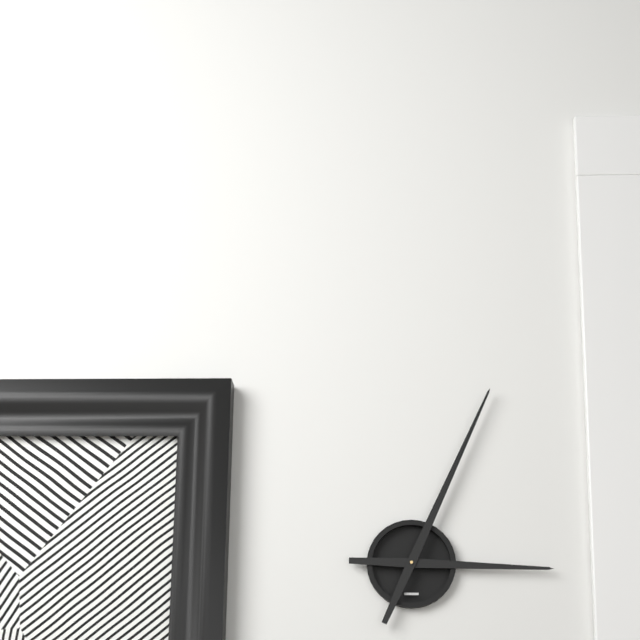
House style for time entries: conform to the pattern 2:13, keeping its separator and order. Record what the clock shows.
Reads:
3:04
